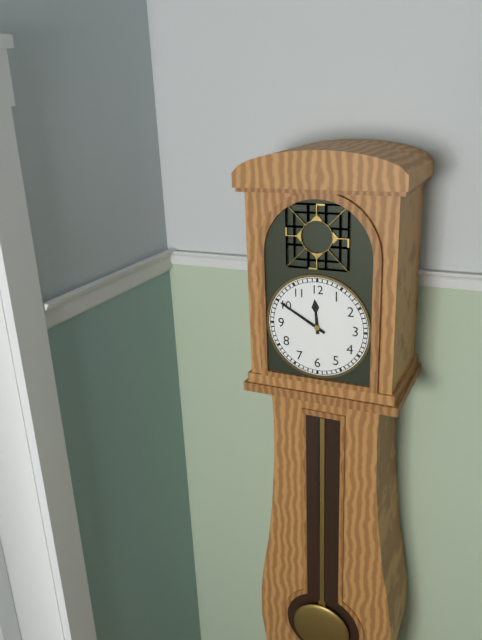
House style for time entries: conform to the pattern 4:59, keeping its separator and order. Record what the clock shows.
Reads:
11:50
